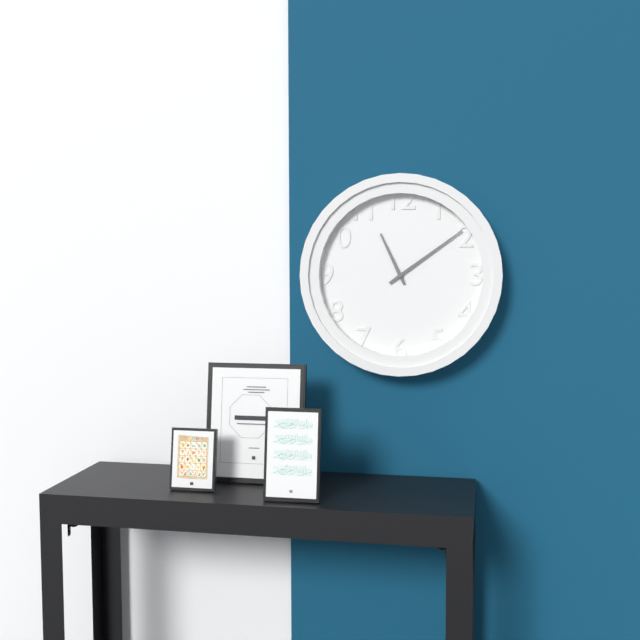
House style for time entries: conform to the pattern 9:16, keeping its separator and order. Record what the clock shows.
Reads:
11:09
